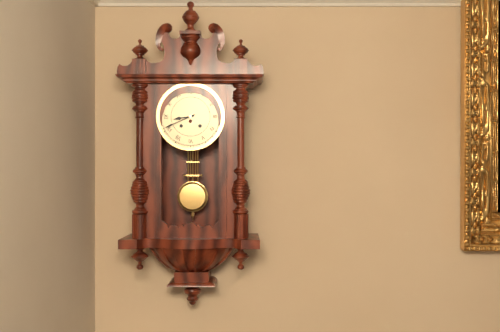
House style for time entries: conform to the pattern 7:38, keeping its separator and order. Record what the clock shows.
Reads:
8:41
